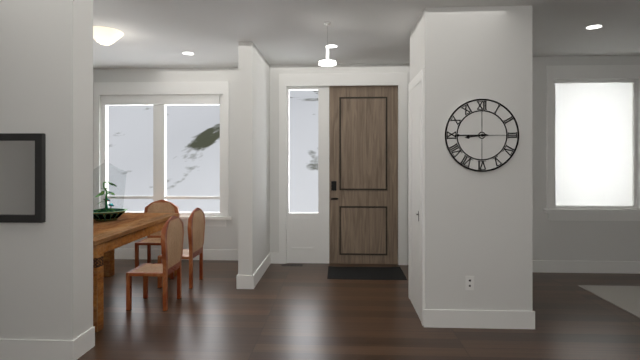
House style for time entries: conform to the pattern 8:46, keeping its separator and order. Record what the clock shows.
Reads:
8:45
